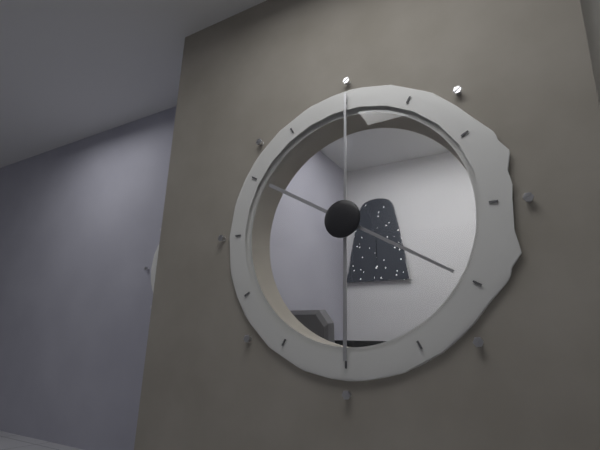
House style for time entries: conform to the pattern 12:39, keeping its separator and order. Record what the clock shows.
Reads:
4:00
